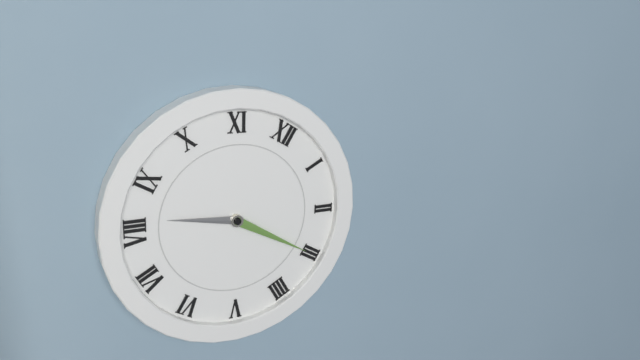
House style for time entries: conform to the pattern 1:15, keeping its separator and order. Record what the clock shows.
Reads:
8:15
